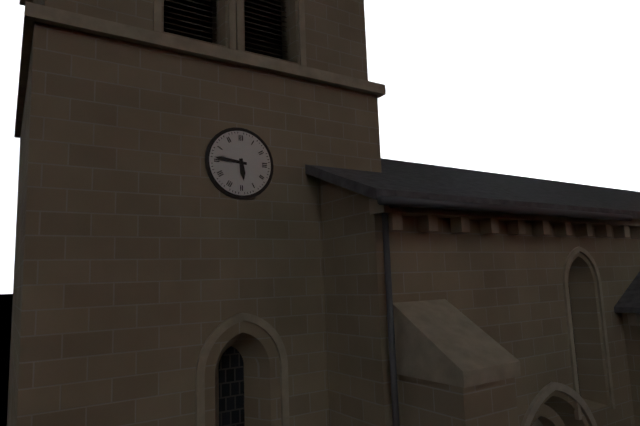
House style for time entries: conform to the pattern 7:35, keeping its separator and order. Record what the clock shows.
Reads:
5:46
